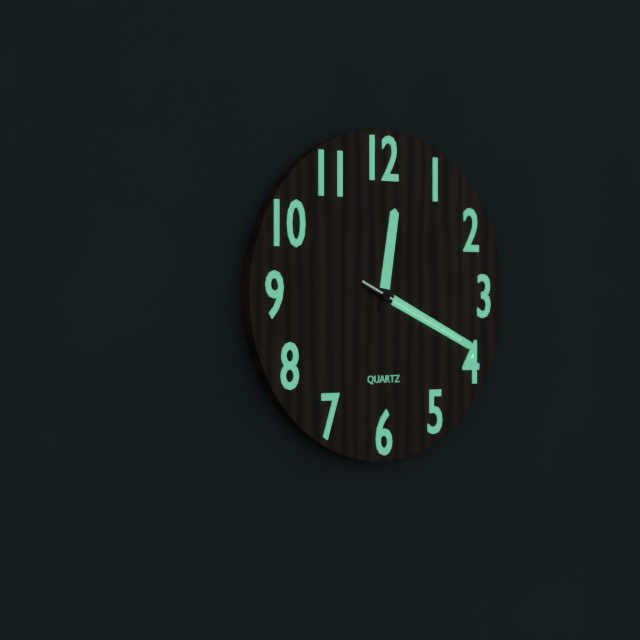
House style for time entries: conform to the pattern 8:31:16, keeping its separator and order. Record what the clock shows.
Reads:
12:19:19
